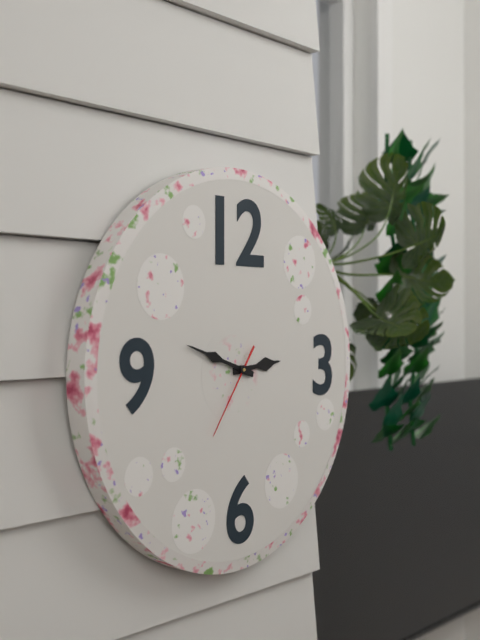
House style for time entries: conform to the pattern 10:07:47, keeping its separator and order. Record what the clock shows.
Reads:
2:48:36
